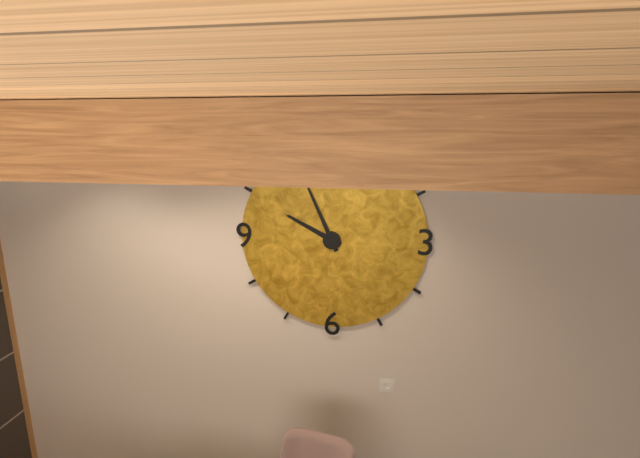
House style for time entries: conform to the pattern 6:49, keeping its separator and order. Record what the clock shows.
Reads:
9:56
